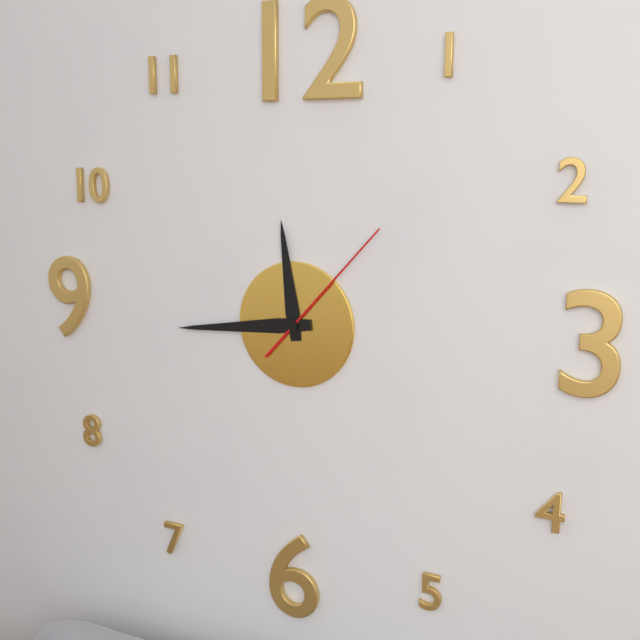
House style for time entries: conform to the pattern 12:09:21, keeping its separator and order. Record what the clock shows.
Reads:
11:44:07
